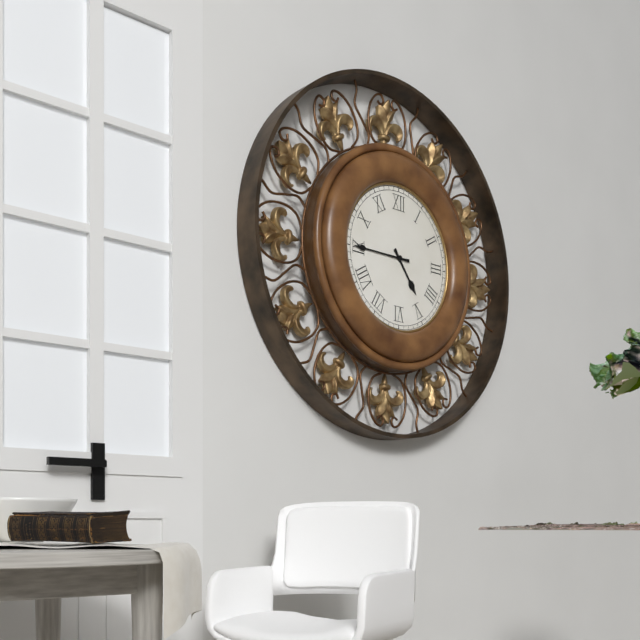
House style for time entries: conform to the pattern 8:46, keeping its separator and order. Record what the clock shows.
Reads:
4:45
